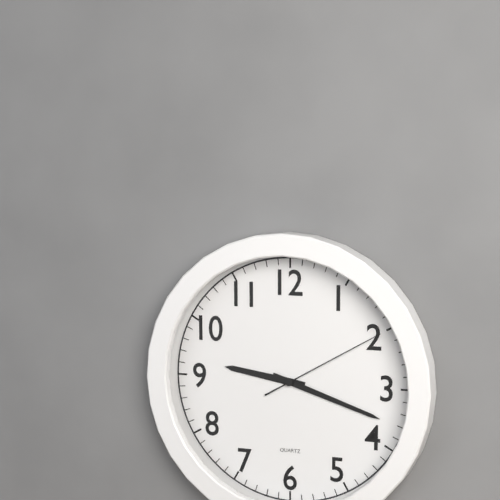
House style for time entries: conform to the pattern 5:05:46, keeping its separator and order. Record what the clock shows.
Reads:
9:18:10
